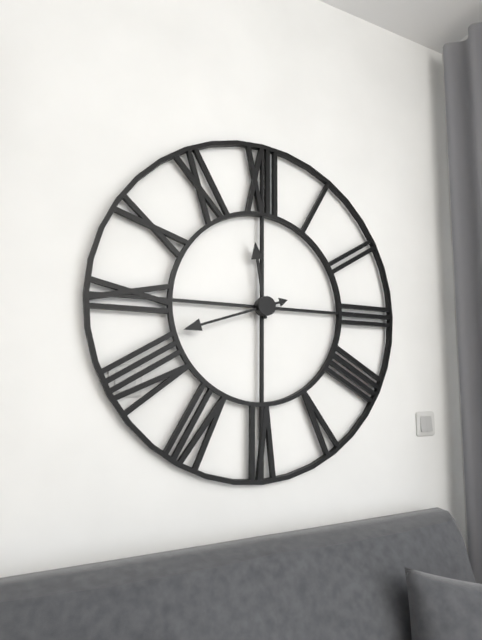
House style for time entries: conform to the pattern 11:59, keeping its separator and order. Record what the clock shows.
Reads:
11:42
